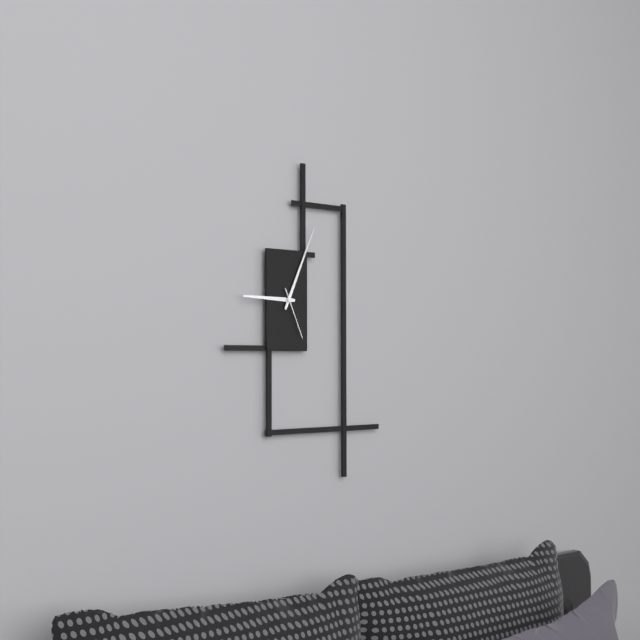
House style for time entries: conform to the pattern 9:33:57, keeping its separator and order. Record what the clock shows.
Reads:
9:04:26
